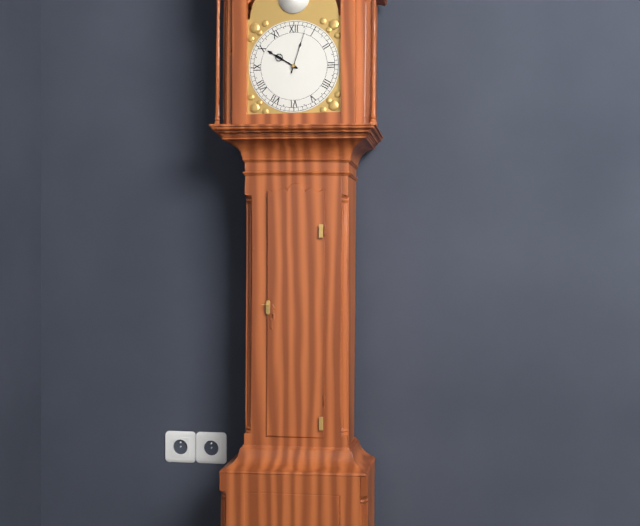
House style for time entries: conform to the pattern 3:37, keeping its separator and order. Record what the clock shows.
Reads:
10:03
